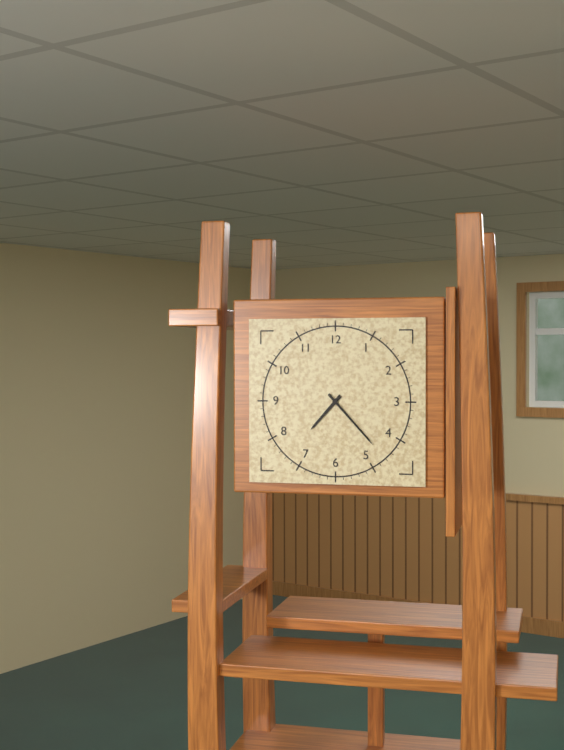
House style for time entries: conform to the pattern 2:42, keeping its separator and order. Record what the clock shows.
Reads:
7:23
